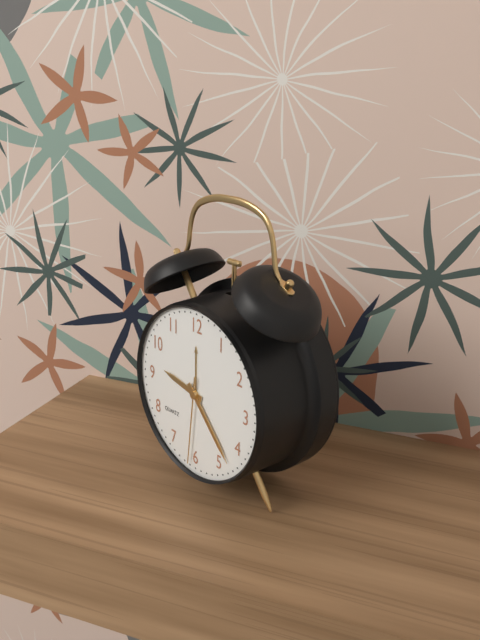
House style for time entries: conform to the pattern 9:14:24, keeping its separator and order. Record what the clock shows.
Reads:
9:23:31
